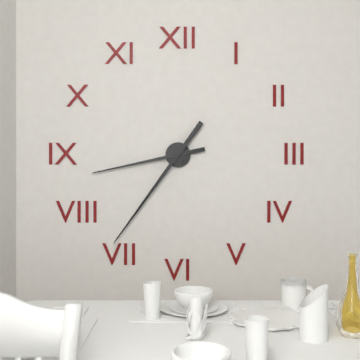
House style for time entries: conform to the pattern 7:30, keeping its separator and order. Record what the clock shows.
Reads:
8:36
